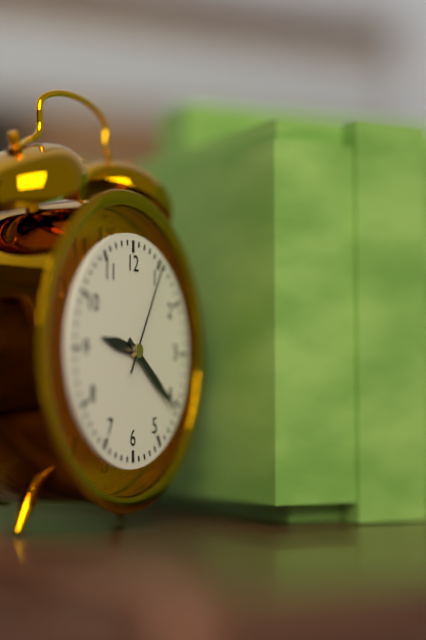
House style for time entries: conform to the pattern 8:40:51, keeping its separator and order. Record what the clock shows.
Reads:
9:21:05
